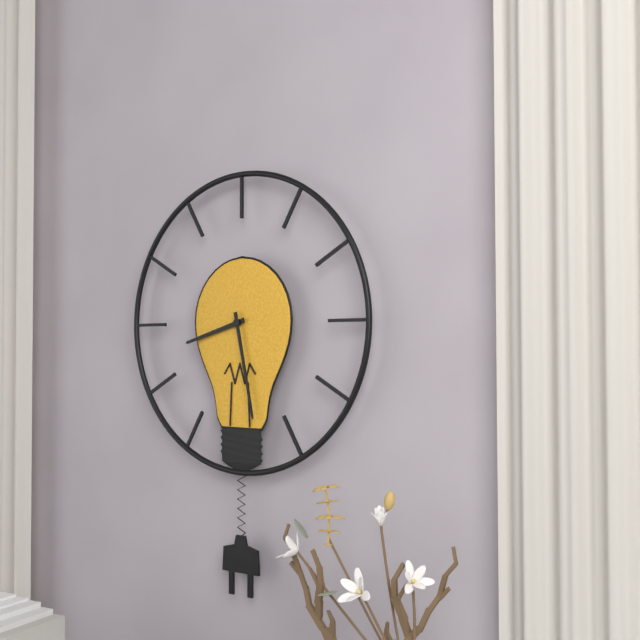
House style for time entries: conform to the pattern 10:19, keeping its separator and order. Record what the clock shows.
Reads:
8:28
